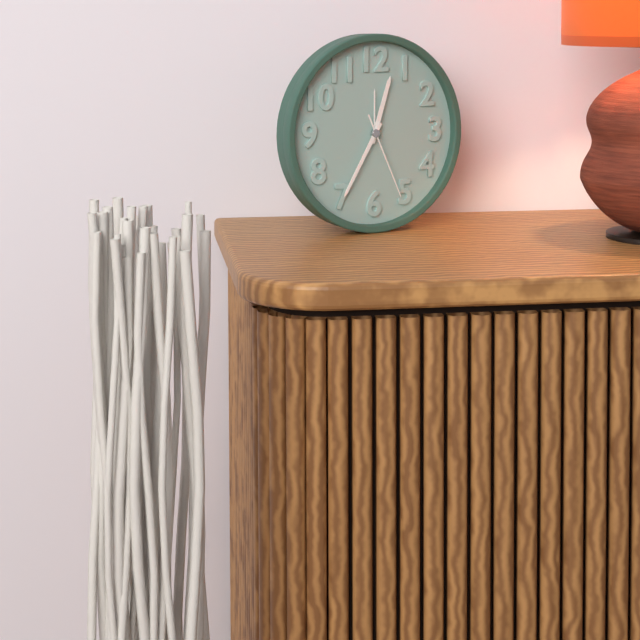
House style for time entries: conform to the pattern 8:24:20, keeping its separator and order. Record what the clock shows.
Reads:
12:35:26
